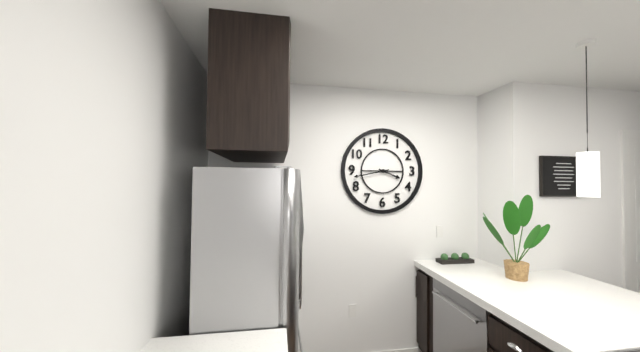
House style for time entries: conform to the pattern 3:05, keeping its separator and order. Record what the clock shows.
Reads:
3:43
